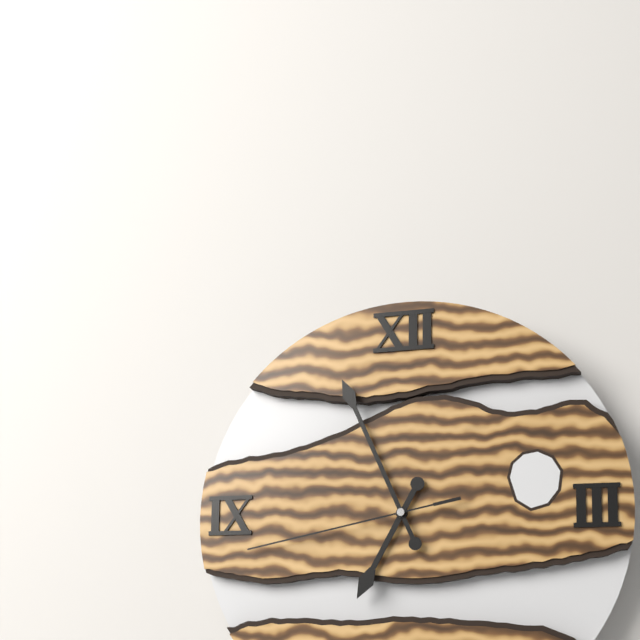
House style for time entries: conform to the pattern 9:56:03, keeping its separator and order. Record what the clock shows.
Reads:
6:56:43
